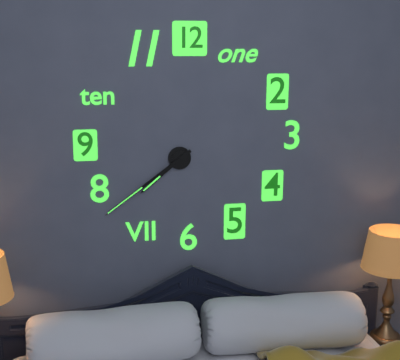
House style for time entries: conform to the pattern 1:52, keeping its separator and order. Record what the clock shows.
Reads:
7:39
